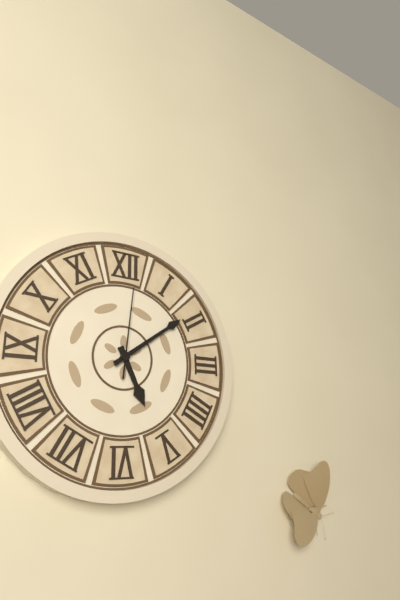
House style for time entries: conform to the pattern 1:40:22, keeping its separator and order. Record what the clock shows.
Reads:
5:09:01
